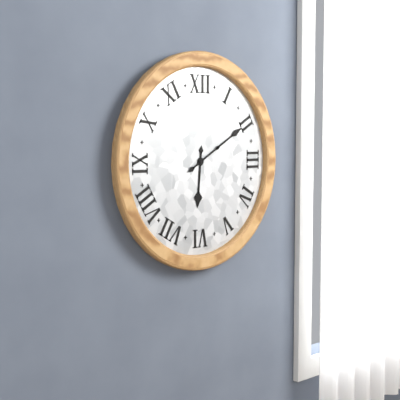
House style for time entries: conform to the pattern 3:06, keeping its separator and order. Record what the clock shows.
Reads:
6:10
